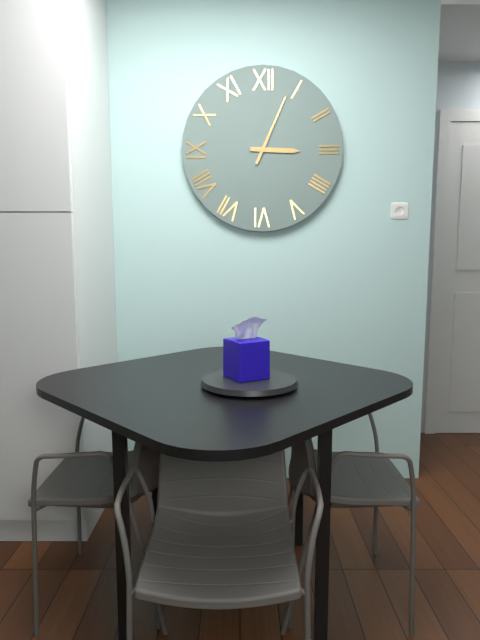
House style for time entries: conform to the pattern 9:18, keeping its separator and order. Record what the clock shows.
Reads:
3:04
